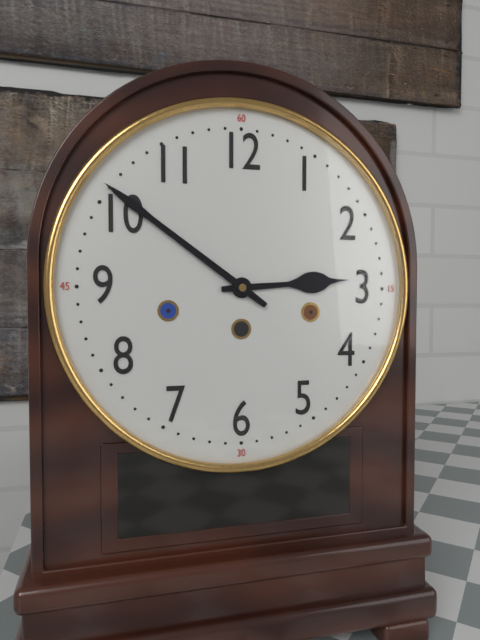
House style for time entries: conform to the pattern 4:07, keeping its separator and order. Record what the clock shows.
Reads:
2:51
